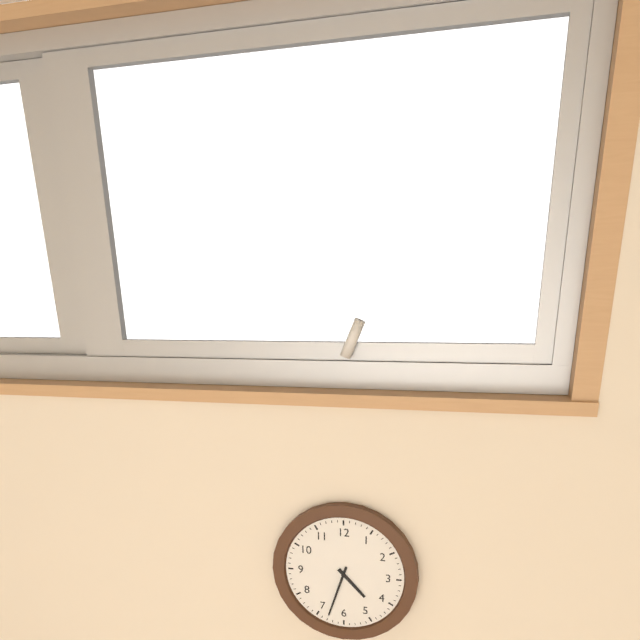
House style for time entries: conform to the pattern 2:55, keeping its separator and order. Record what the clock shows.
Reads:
4:33
